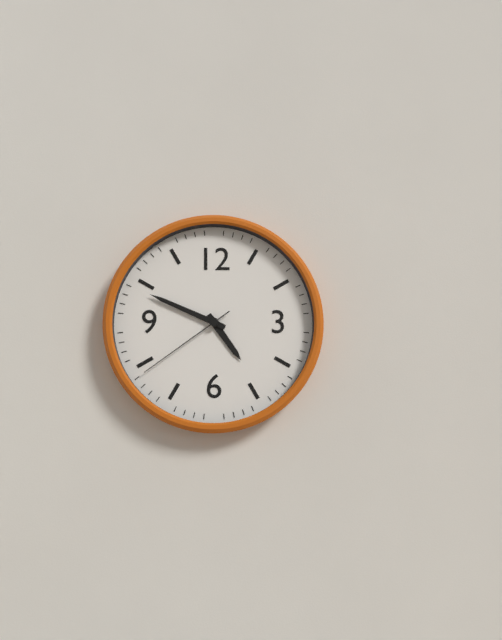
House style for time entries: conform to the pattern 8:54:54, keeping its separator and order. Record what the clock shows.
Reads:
4:49:39
